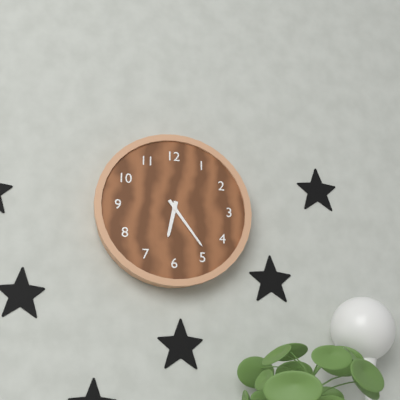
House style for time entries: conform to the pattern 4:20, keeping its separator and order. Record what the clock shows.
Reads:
6:24
